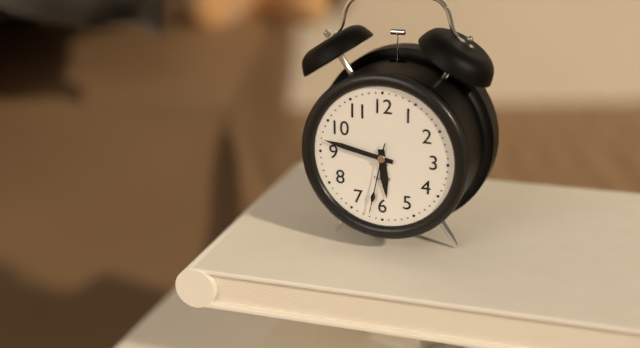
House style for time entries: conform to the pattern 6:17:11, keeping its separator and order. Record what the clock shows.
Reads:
5:47:32
